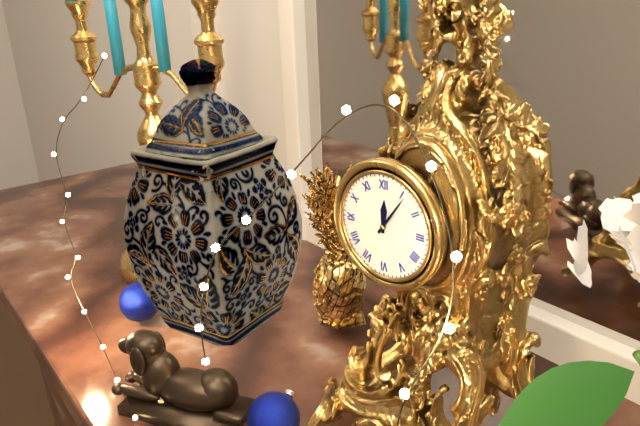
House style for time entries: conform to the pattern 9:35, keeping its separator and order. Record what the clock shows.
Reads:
12:06
